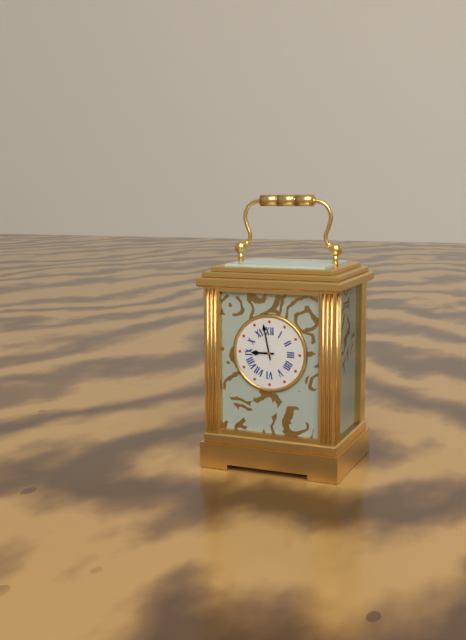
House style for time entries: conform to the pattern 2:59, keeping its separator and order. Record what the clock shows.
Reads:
8:58
